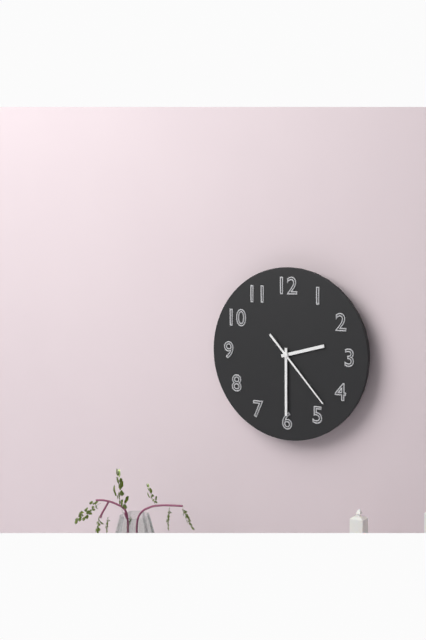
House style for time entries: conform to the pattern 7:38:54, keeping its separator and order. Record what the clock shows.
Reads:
2:30:23
